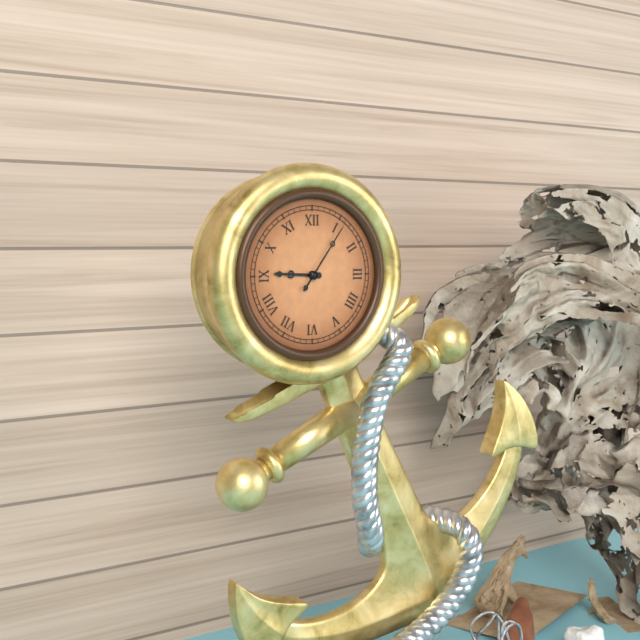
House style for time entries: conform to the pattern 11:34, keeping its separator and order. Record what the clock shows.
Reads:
9:06
